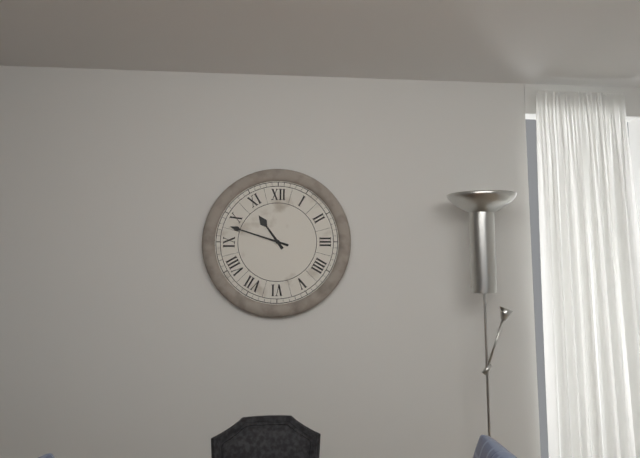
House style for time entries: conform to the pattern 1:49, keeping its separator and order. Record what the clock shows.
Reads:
10:48
